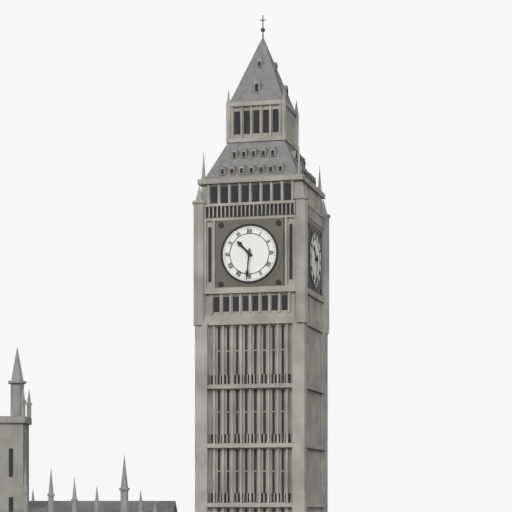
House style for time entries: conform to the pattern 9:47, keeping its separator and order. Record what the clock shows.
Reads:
10:31
